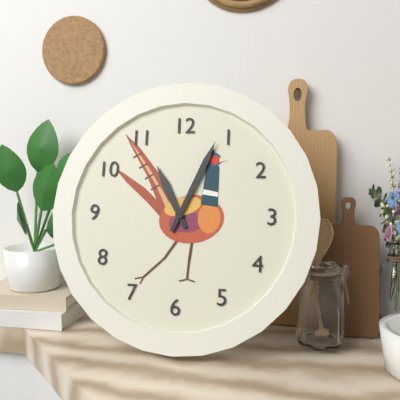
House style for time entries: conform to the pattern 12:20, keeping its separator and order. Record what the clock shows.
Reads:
11:04
